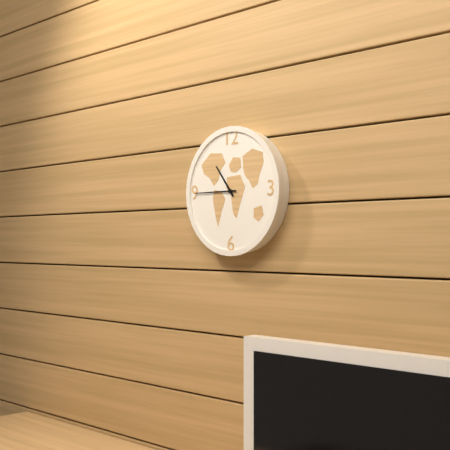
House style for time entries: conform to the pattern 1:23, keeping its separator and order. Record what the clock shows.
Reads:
10:45
